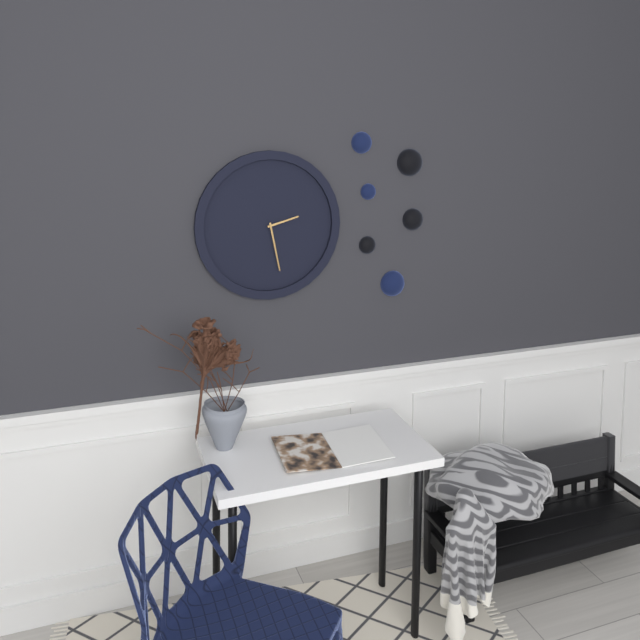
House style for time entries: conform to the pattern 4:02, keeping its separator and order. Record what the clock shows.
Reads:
2:28
